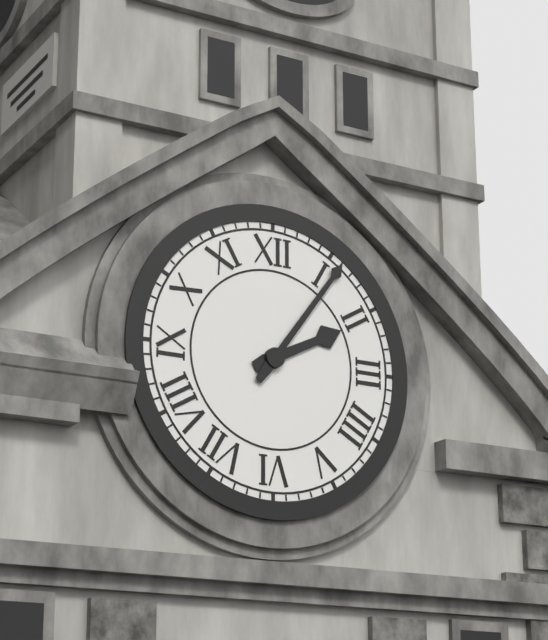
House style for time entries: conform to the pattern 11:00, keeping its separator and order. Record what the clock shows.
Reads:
2:06
